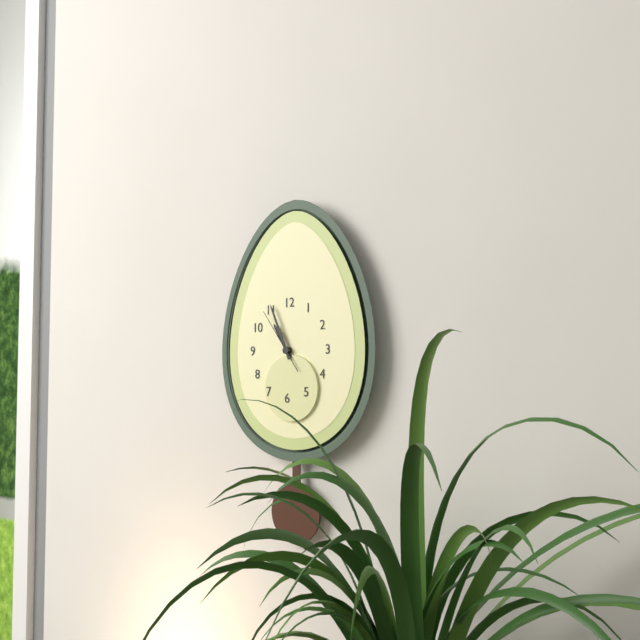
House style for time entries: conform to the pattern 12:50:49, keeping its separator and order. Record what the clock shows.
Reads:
10:56:54
